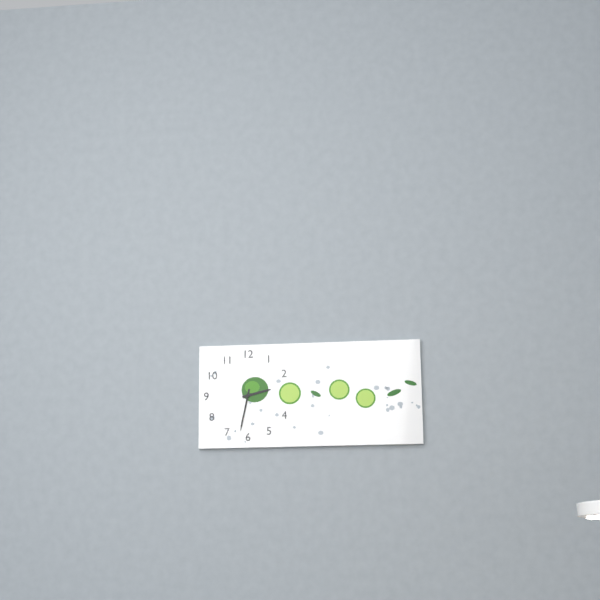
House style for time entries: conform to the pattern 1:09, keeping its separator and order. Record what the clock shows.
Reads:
2:32
